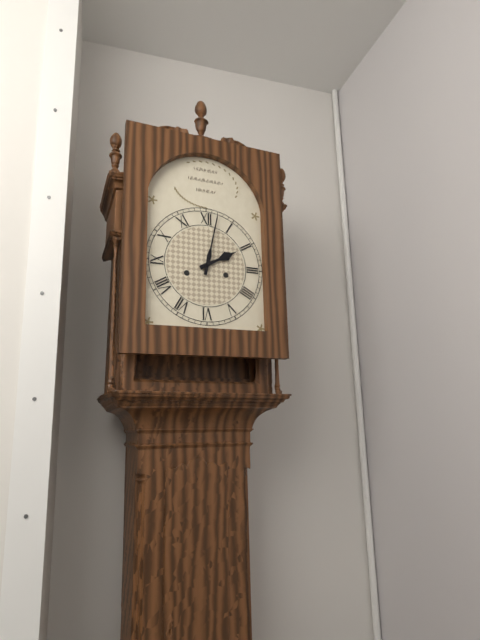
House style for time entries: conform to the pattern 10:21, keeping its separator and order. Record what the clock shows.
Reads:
2:02
